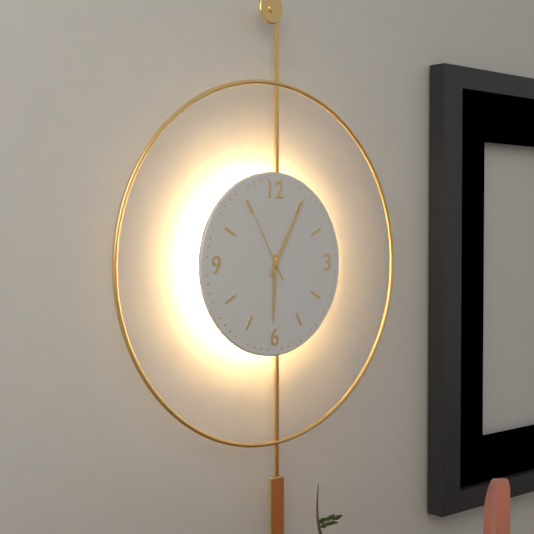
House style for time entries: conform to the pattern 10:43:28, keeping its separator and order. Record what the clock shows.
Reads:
6:05:55
